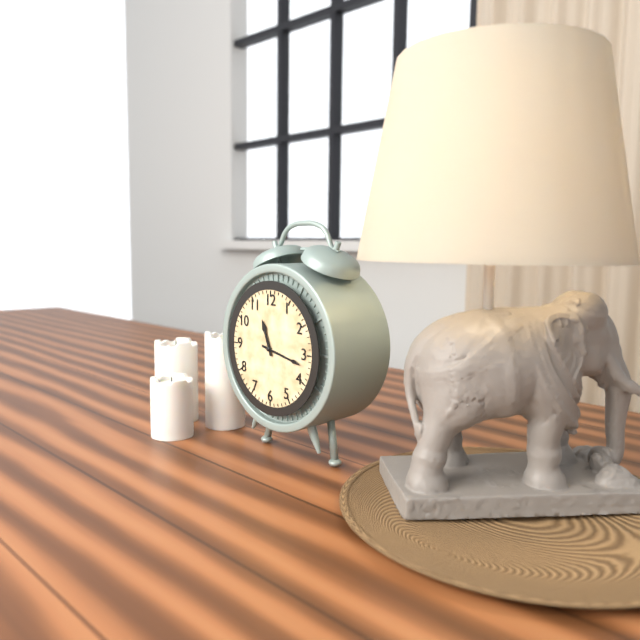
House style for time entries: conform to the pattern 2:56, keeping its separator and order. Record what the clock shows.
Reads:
11:17
